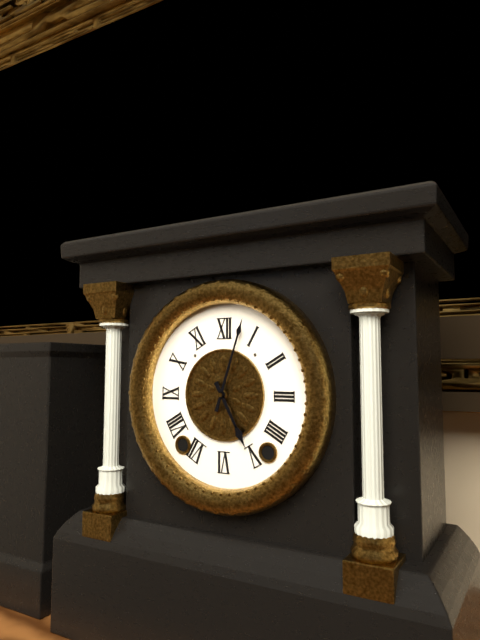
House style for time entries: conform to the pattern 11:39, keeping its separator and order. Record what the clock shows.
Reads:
5:03
